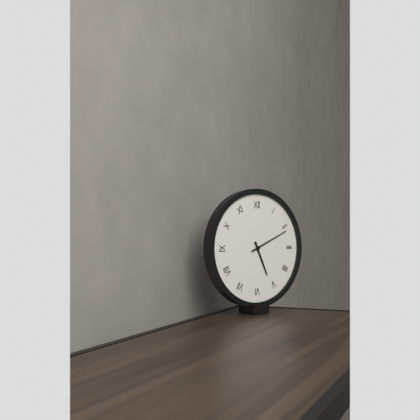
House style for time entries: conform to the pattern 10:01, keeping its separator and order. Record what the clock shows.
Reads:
5:11
